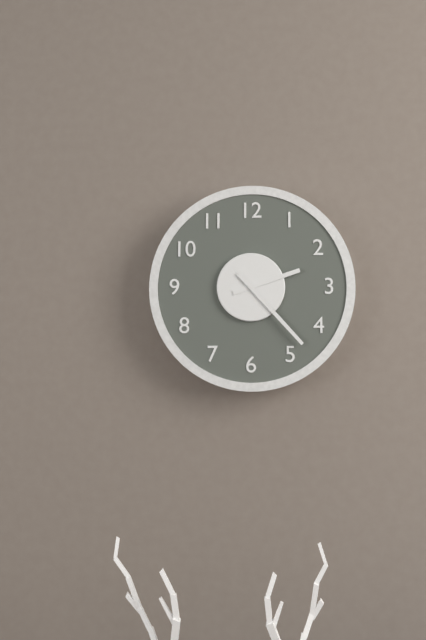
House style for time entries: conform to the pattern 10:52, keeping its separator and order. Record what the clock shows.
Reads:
2:23
